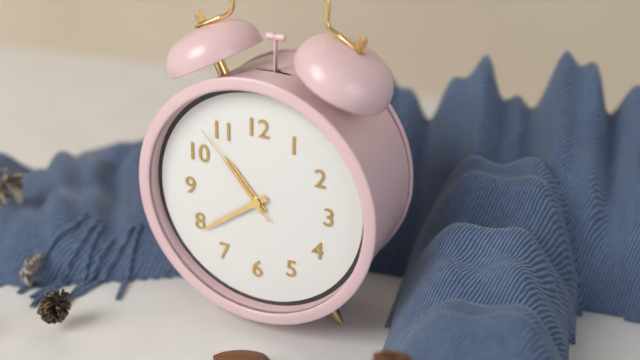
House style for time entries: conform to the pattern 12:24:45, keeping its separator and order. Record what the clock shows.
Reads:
10:39:53
